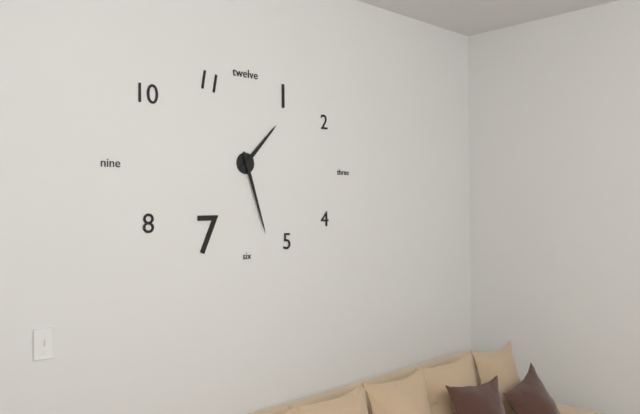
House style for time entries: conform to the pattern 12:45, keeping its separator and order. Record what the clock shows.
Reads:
1:27
